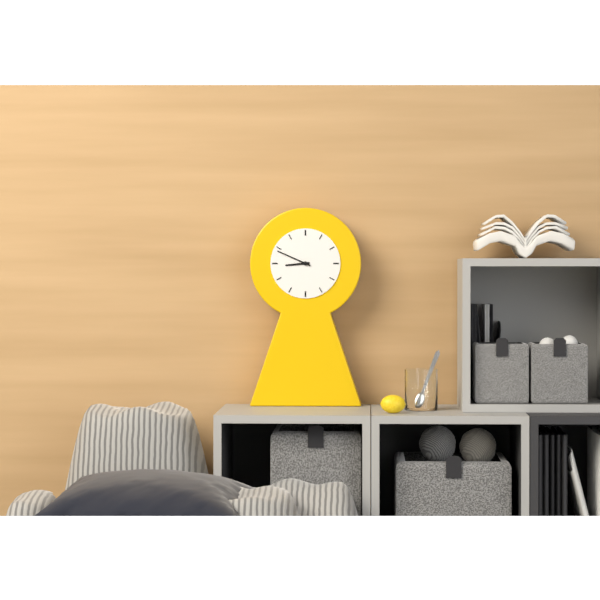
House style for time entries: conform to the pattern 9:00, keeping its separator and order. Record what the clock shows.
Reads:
8:49
